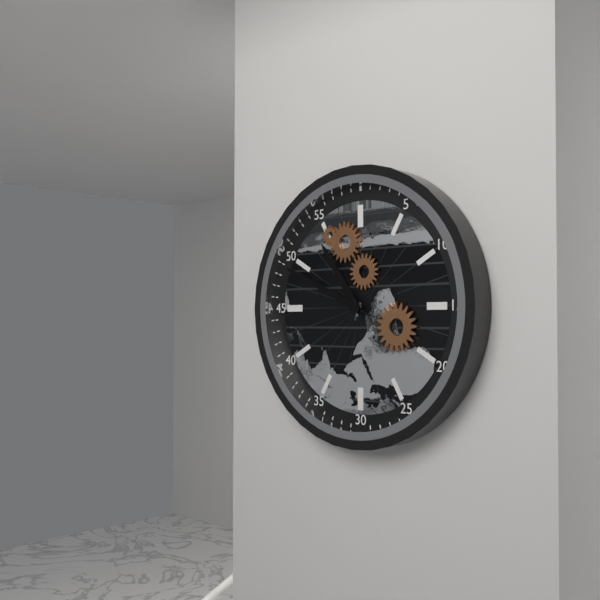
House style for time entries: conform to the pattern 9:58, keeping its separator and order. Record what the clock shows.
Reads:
10:49
